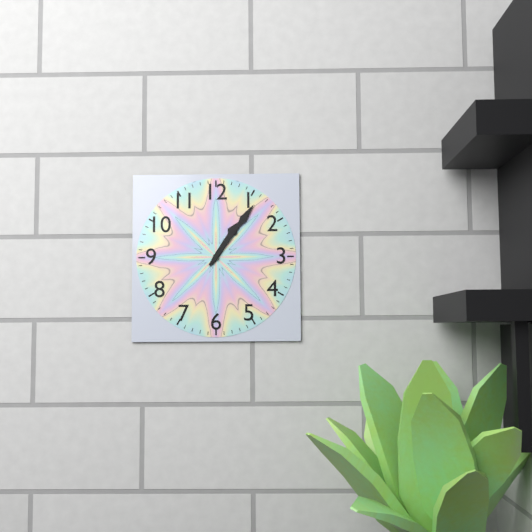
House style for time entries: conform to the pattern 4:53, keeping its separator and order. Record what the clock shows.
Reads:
1:06
